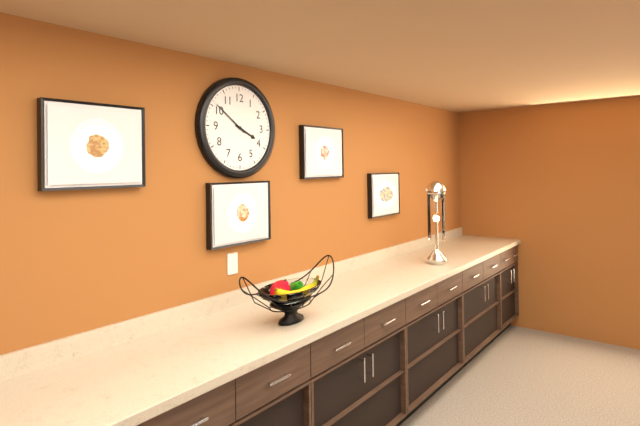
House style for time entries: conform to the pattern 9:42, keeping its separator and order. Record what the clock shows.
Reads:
3:51
